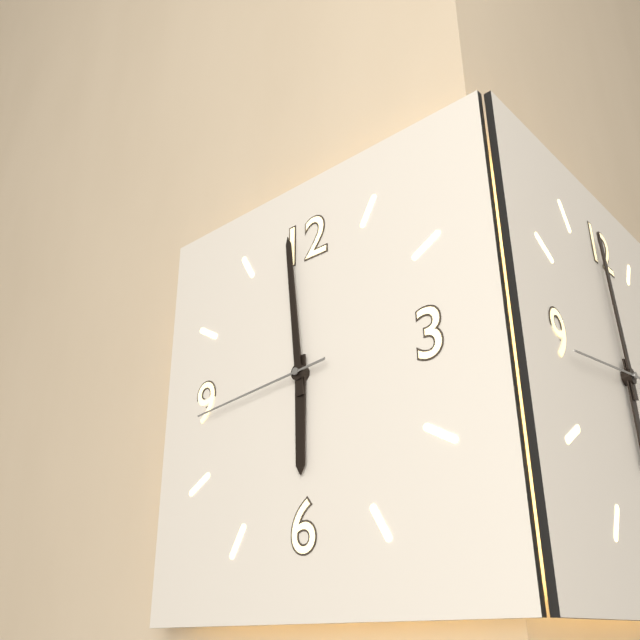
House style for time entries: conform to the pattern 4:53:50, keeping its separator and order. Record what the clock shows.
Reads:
5:59:44
